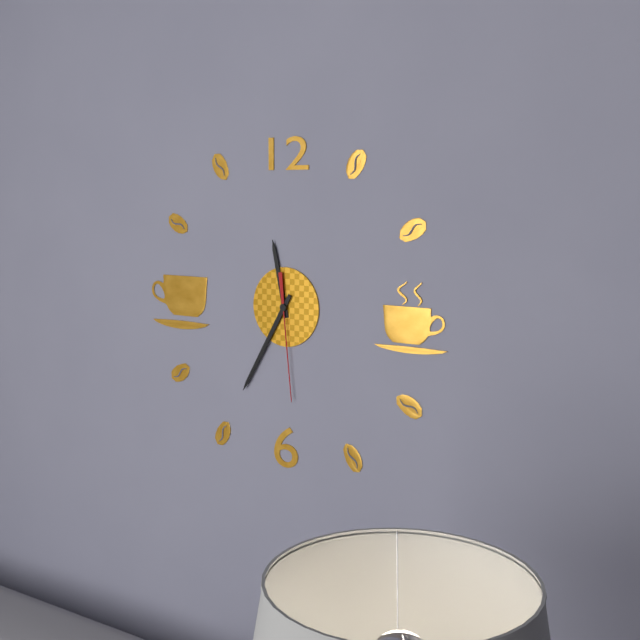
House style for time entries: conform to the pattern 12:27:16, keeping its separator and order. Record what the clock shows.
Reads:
11:35:29
